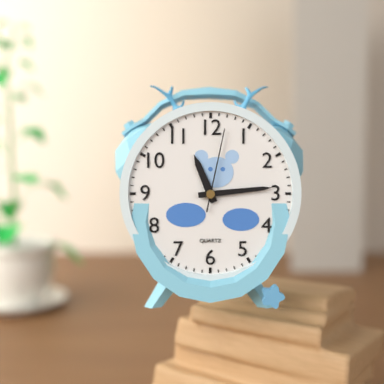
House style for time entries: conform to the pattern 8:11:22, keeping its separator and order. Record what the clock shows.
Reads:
11:14:02
